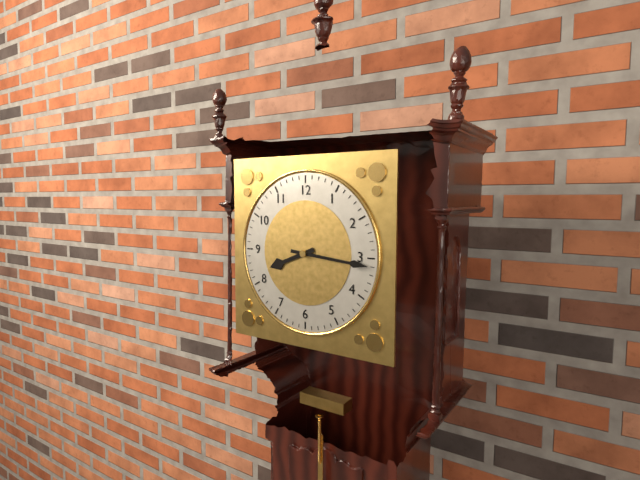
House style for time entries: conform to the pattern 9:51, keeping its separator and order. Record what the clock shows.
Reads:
8:16
